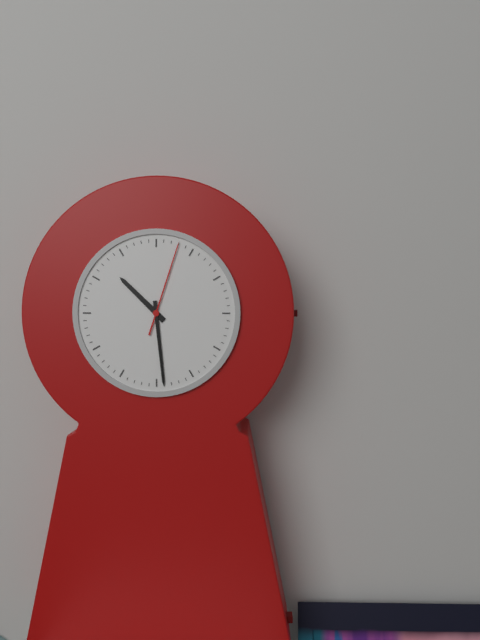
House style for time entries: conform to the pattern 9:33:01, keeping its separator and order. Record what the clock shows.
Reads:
10:29:03
